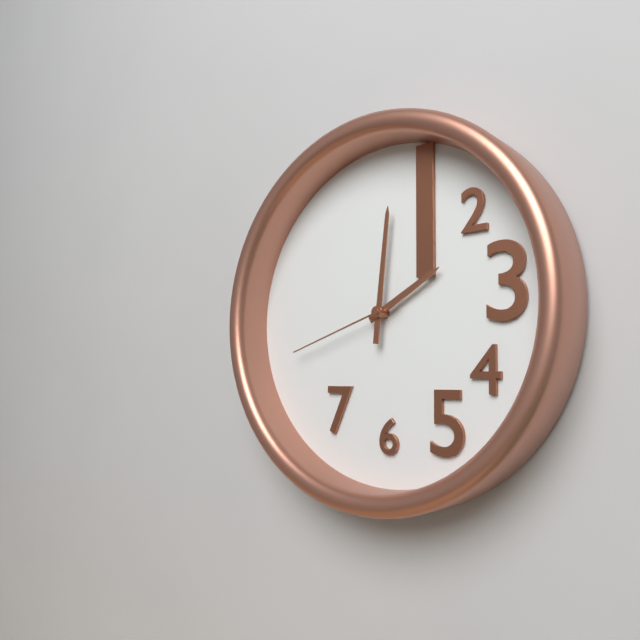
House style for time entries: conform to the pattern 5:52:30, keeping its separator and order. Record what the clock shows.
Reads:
2:01:42
